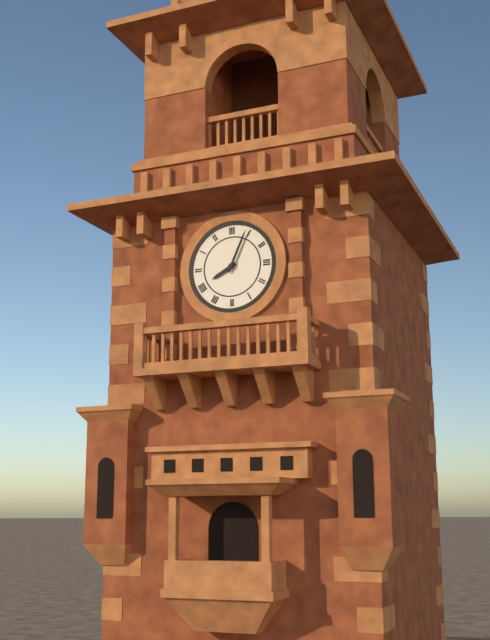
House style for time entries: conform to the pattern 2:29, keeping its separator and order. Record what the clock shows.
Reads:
8:04
